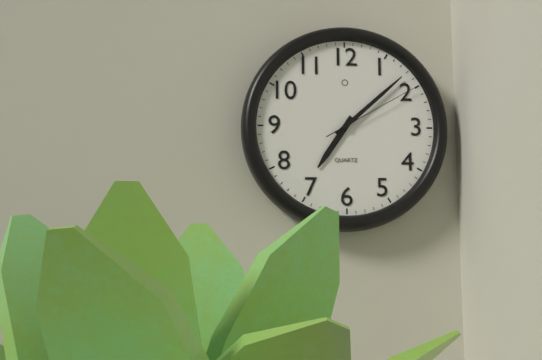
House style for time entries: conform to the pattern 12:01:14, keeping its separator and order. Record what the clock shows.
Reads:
7:08:10
